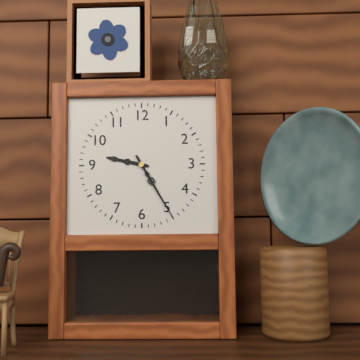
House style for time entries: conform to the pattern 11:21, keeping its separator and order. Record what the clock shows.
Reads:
9:25
